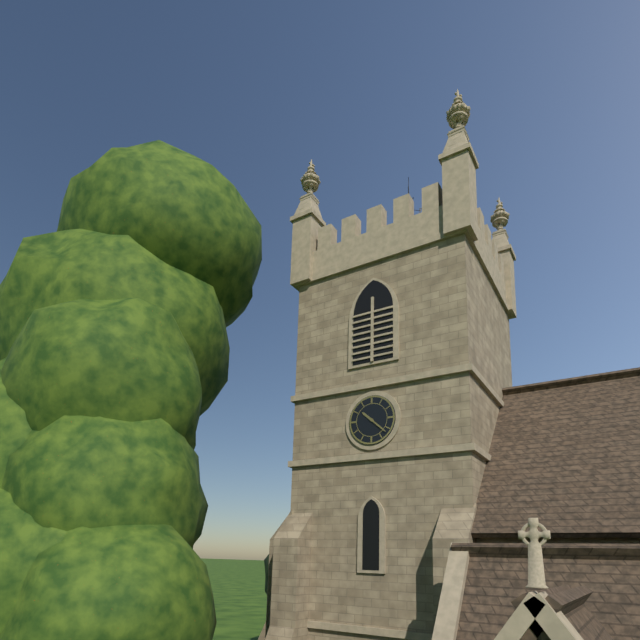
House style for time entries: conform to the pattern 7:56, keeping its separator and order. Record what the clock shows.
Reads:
10:22
